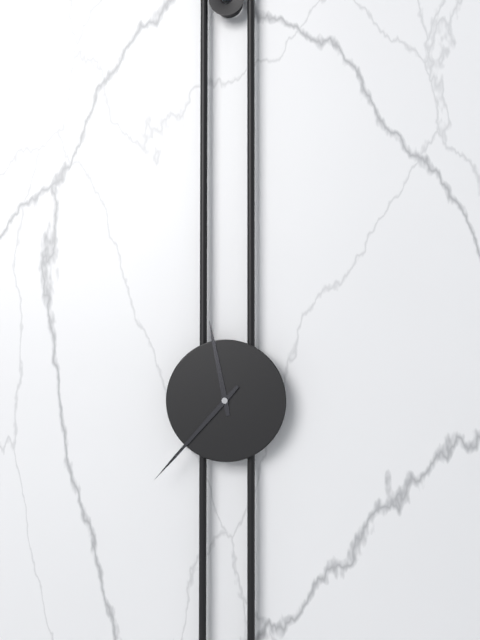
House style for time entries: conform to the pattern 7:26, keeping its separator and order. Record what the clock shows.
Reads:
11:37
